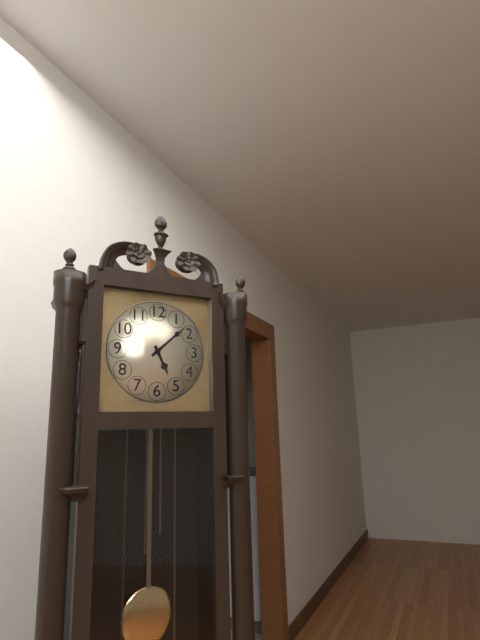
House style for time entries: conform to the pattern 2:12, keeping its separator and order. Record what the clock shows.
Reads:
5:08
